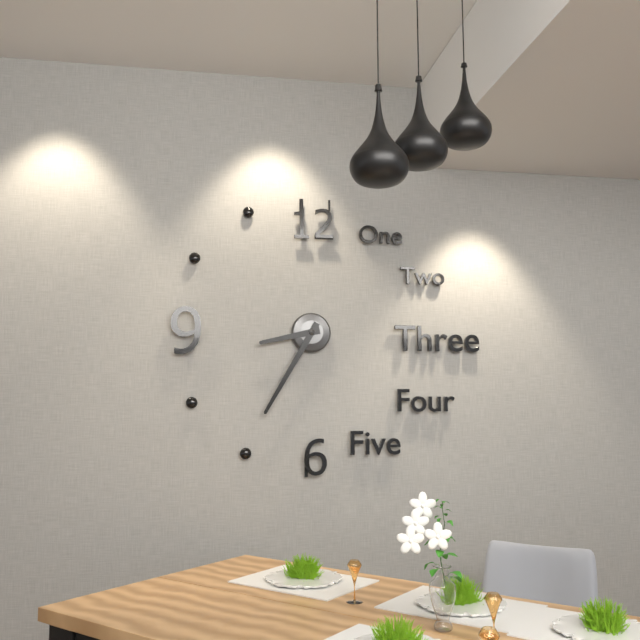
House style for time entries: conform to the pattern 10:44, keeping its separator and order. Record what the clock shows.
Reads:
8:35
